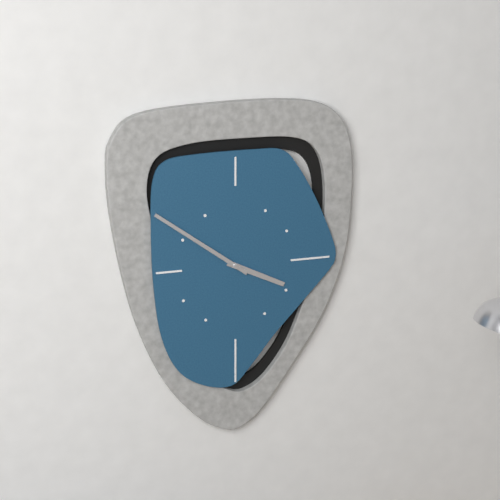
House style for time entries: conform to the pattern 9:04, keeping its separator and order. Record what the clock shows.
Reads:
3:51
